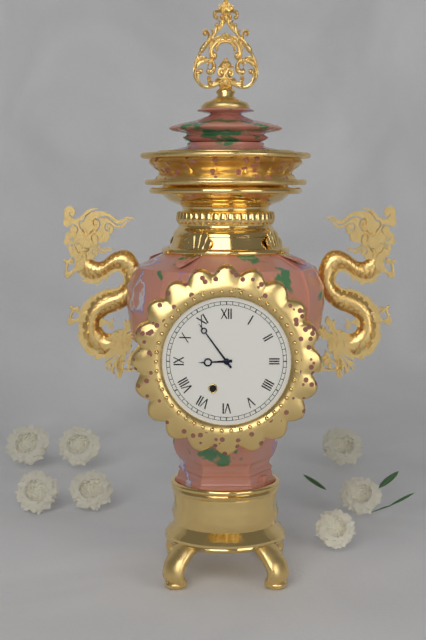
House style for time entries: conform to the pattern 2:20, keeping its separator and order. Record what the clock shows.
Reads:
8:54
